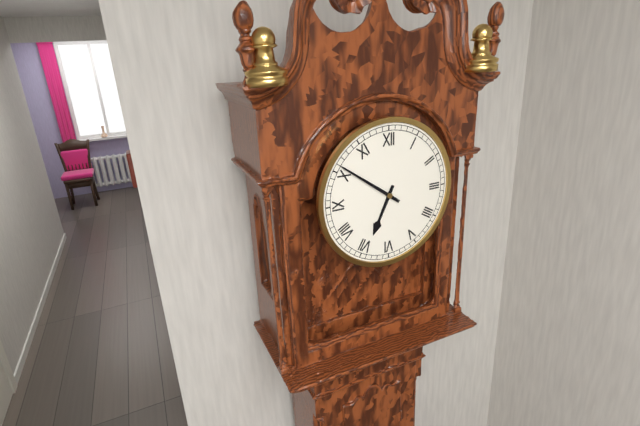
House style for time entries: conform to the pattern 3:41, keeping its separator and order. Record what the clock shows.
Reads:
6:51
